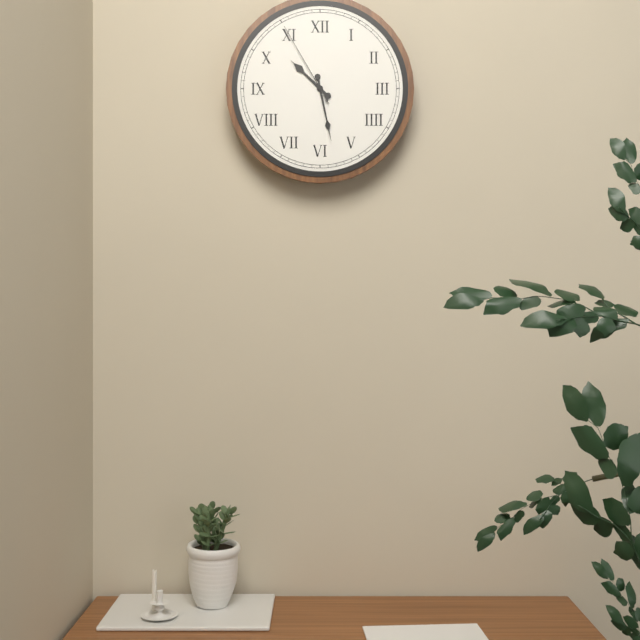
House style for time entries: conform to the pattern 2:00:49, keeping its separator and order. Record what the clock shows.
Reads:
10:28:55
